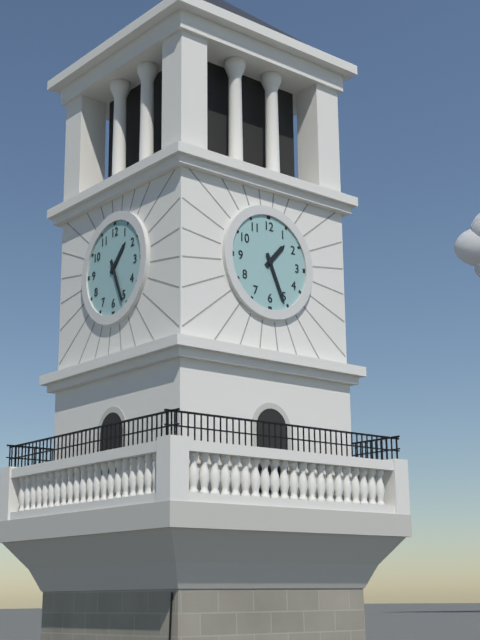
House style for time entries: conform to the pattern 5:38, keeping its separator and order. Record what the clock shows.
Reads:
1:26
